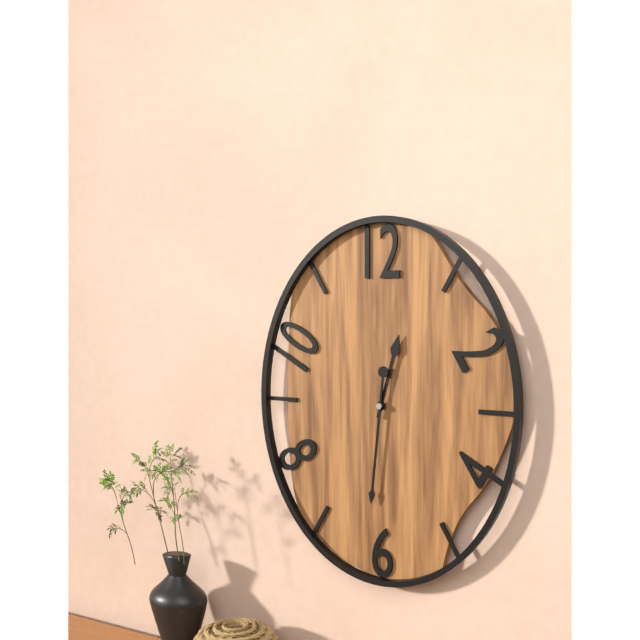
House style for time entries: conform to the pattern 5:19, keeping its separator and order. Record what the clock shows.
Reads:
12:31
